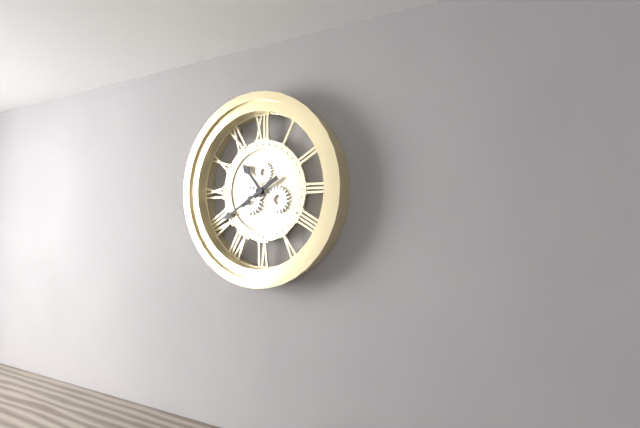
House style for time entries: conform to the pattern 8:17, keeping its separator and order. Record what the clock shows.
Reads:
10:40
